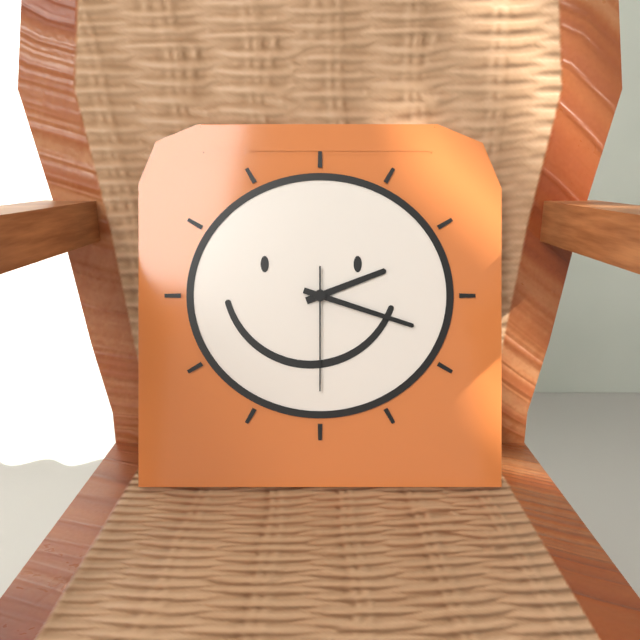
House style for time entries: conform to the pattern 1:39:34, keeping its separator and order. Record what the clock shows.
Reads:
2:18:30
